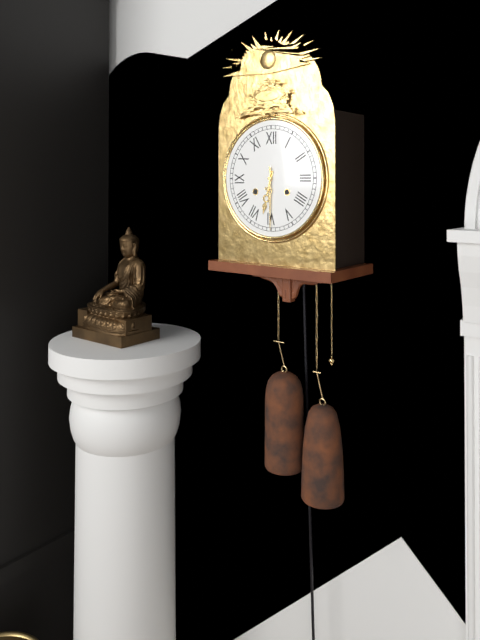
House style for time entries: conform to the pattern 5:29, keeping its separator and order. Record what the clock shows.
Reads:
6:30
